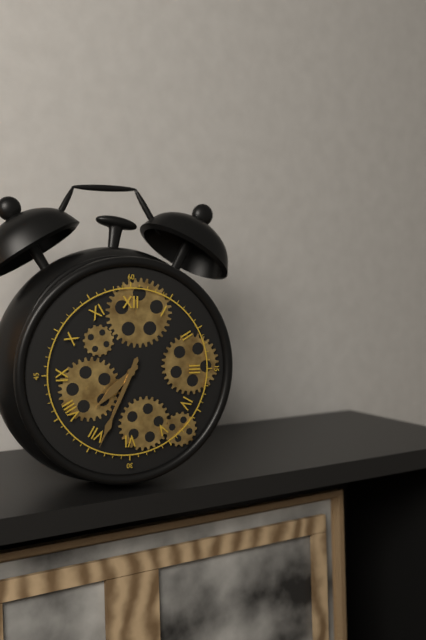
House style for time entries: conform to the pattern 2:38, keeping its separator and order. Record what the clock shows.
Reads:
7:34
